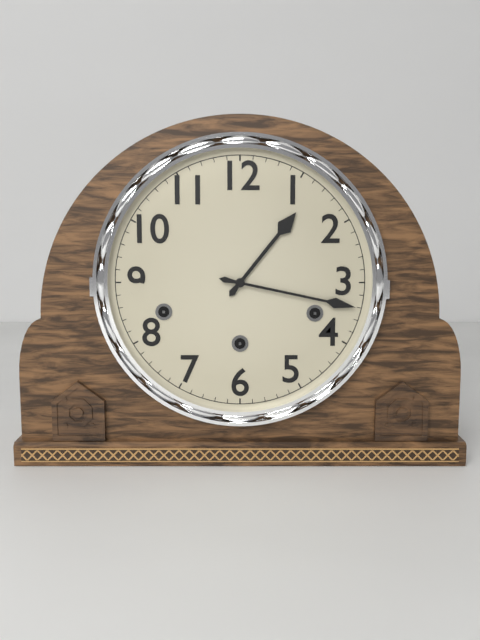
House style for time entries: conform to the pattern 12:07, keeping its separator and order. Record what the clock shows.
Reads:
1:17
